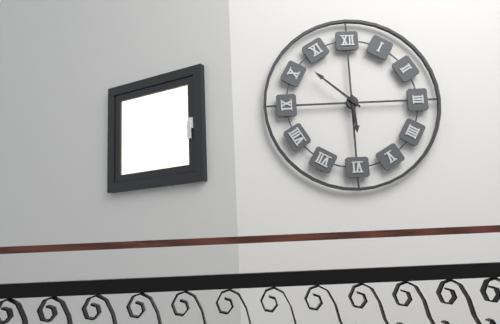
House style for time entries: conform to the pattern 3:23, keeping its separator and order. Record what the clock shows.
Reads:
5:52
